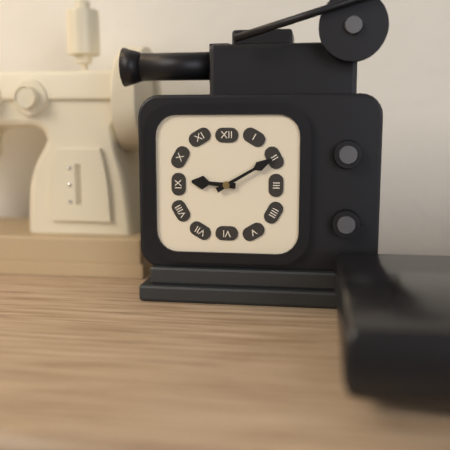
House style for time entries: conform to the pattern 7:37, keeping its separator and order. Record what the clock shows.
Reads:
9:10
